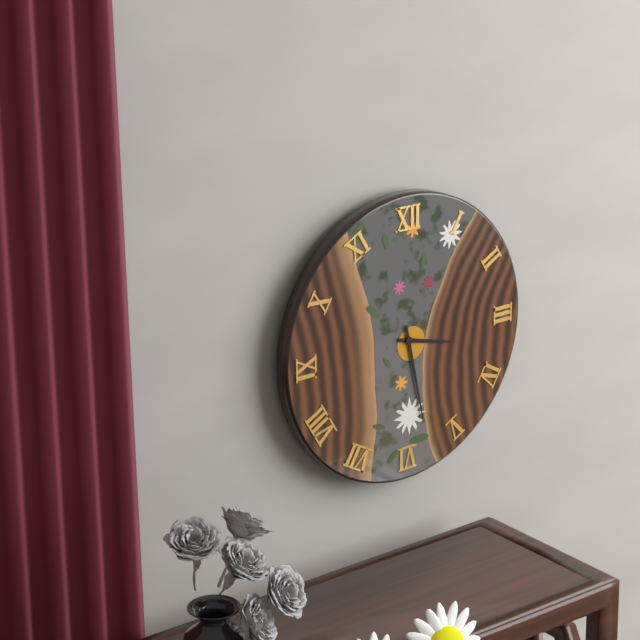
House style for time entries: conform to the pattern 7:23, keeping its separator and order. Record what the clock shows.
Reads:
3:28
